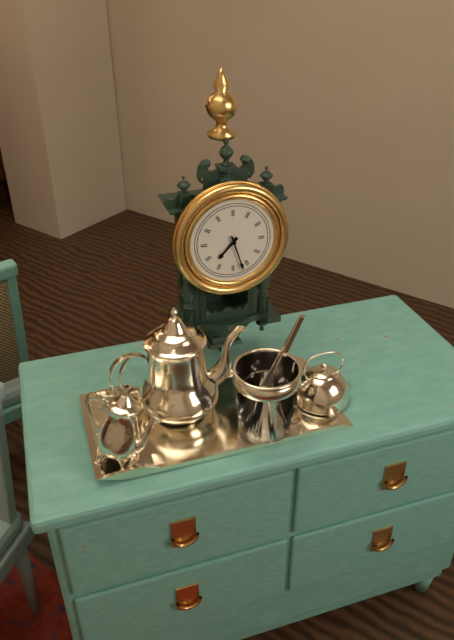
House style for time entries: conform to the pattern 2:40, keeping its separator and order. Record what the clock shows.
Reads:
7:27
